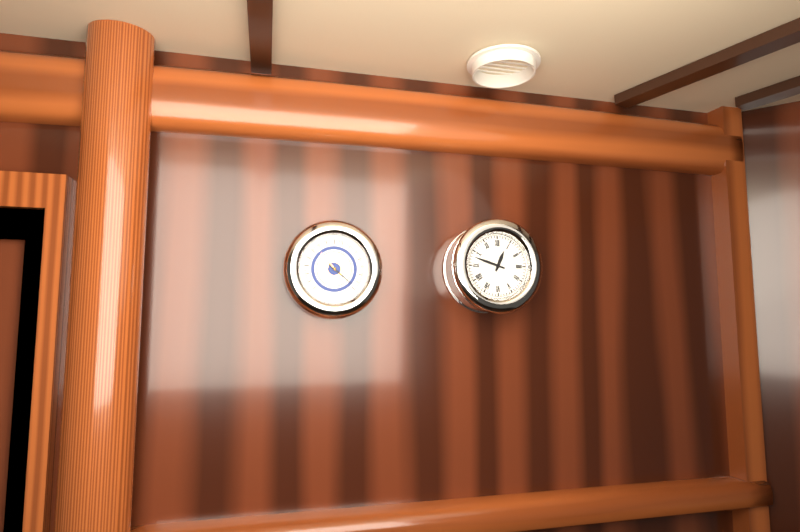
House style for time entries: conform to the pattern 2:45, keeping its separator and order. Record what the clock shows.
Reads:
12:48
